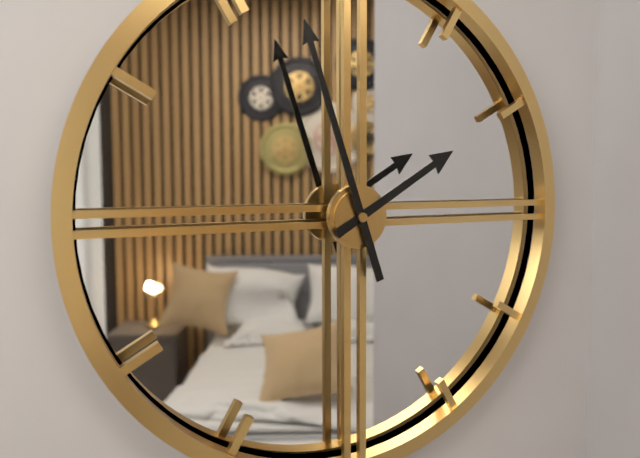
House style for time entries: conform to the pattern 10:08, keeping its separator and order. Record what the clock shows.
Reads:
1:57
